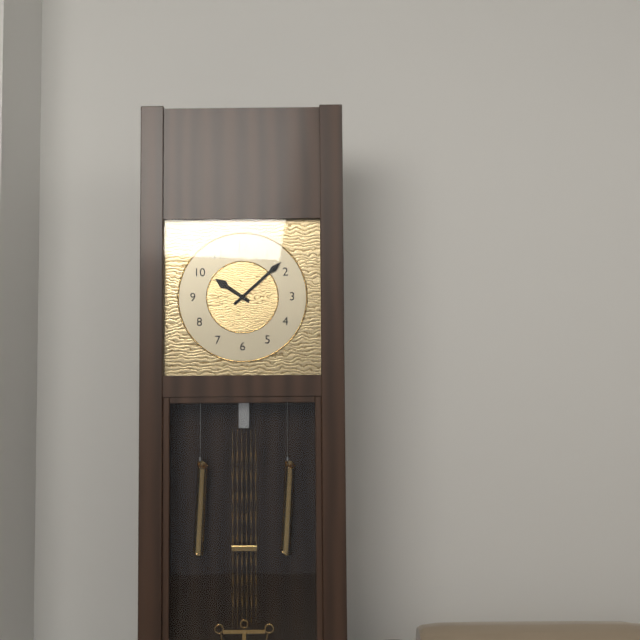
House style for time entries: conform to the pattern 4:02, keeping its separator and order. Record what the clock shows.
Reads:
10:08
